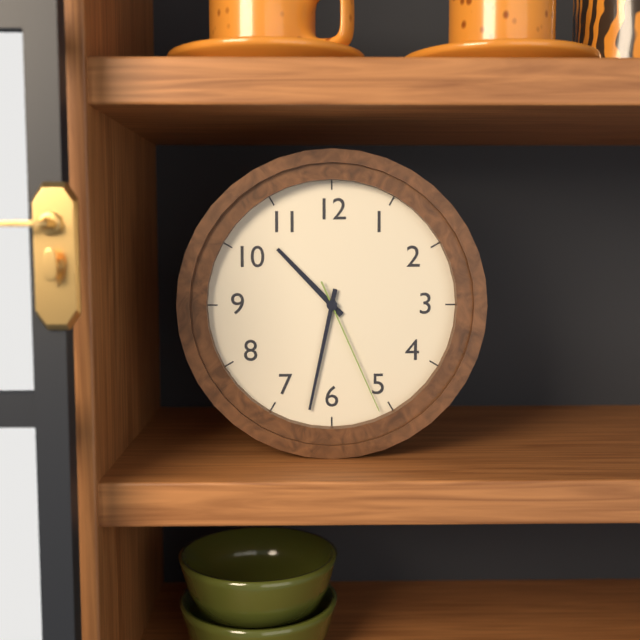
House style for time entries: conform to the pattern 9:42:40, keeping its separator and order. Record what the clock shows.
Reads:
10:32:26
